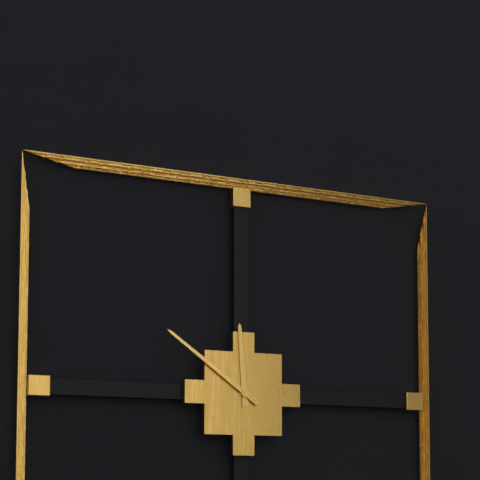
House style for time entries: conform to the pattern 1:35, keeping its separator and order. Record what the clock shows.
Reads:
11:51
